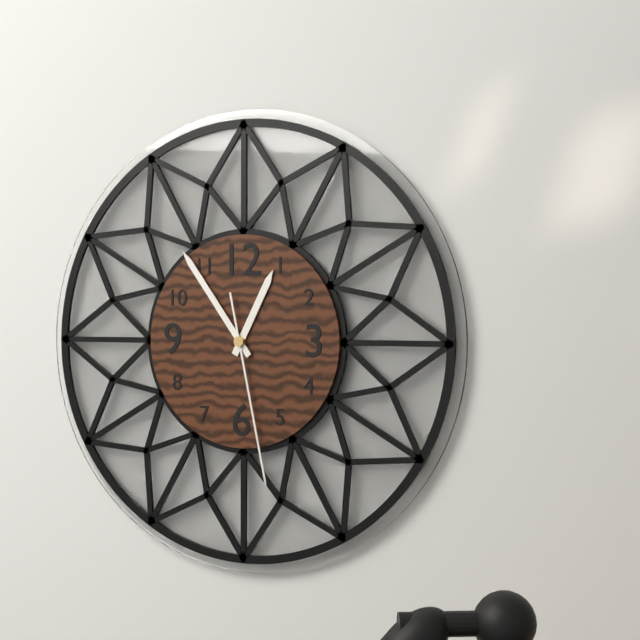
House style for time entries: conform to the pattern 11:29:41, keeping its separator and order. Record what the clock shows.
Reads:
12:54:28
